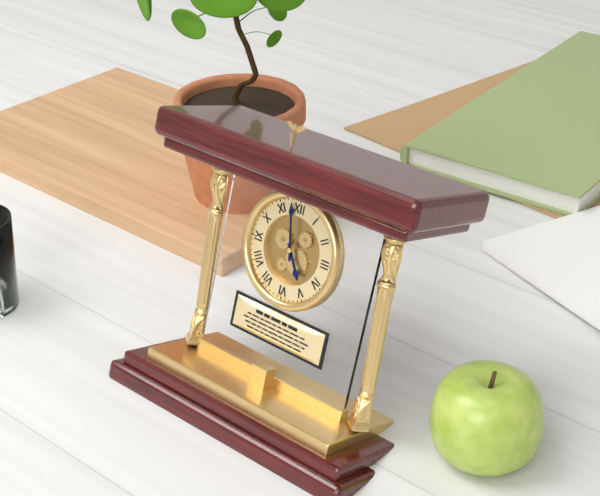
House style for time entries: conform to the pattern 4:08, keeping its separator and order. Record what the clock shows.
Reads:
4:58
